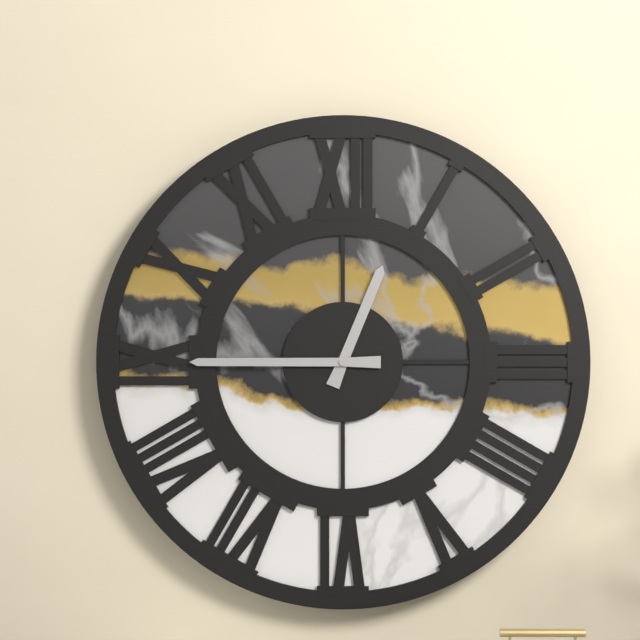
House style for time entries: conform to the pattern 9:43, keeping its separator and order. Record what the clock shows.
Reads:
12:45
